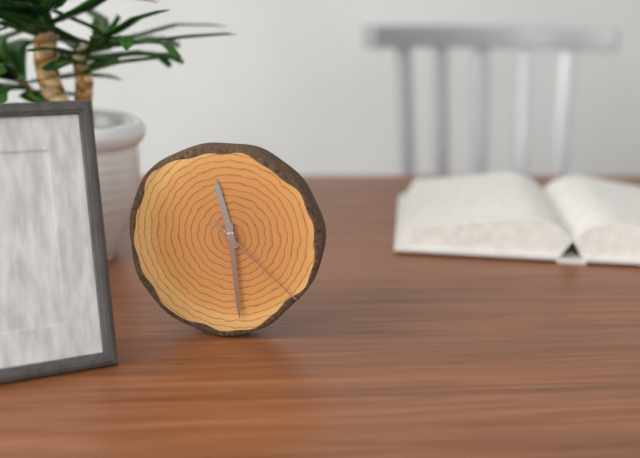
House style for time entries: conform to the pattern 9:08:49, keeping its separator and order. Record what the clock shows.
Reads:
11:29:22
